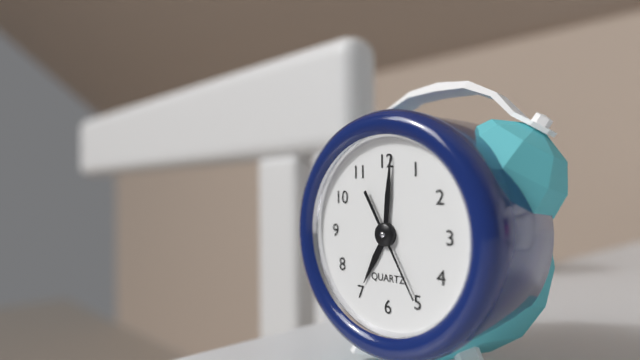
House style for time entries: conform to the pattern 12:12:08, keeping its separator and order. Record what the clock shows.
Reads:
7:01:25
